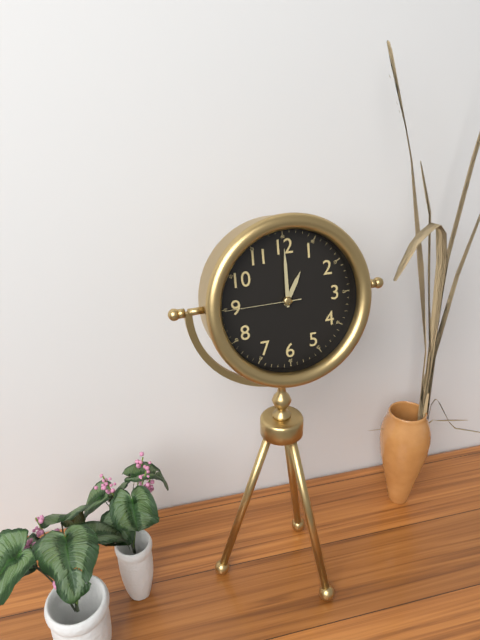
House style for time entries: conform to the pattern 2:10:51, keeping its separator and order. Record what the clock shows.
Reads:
1:00:45
